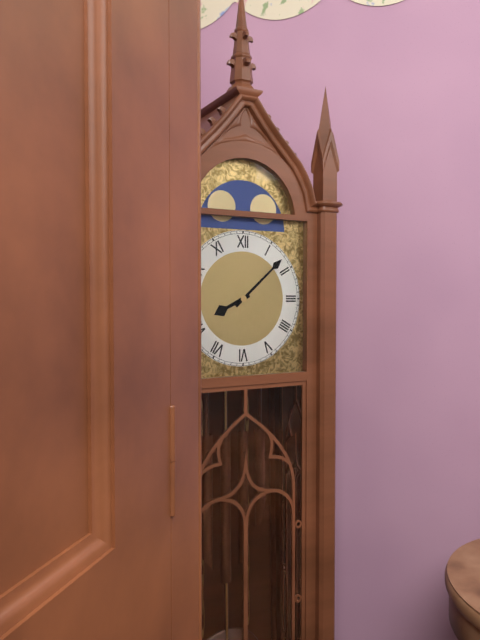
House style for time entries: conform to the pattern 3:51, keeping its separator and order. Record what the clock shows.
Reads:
8:08
